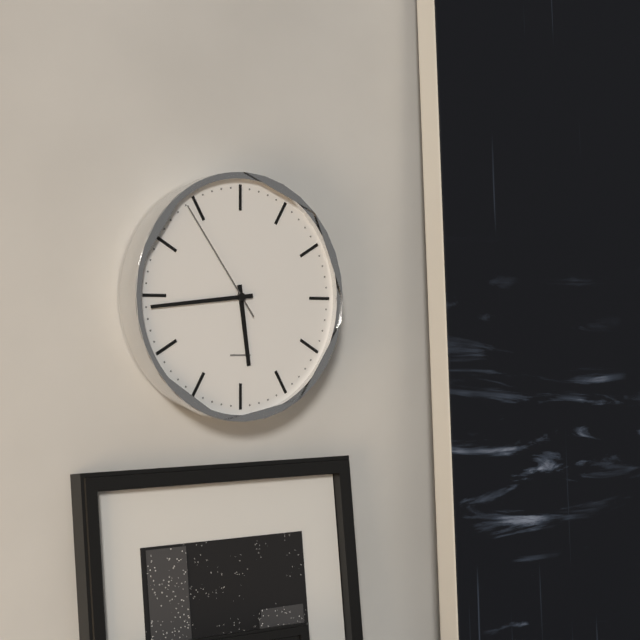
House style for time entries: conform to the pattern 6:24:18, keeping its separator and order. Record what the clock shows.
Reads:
5:44:54
